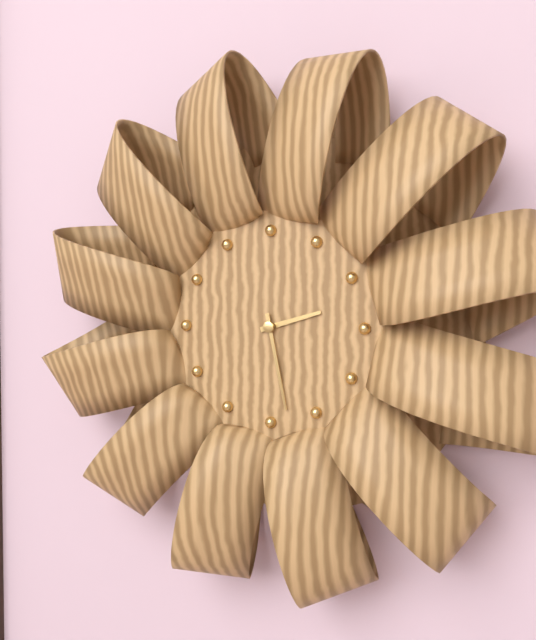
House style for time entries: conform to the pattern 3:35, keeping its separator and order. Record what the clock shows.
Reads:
2:28
